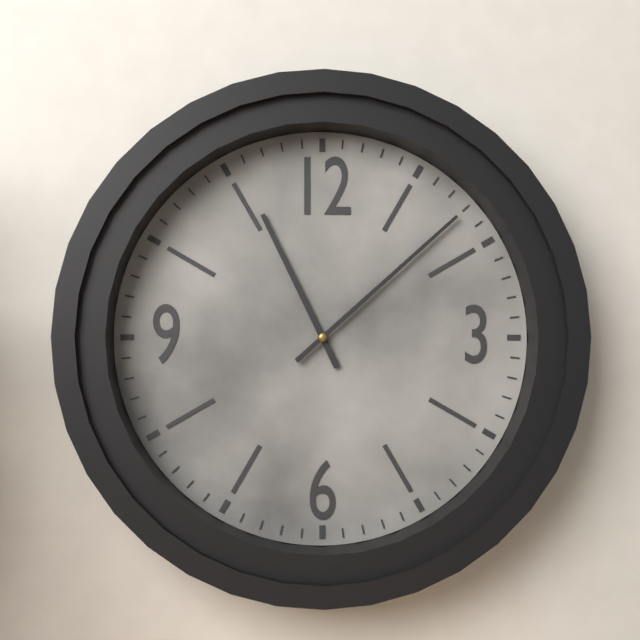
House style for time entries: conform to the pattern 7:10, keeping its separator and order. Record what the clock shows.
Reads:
11:08
